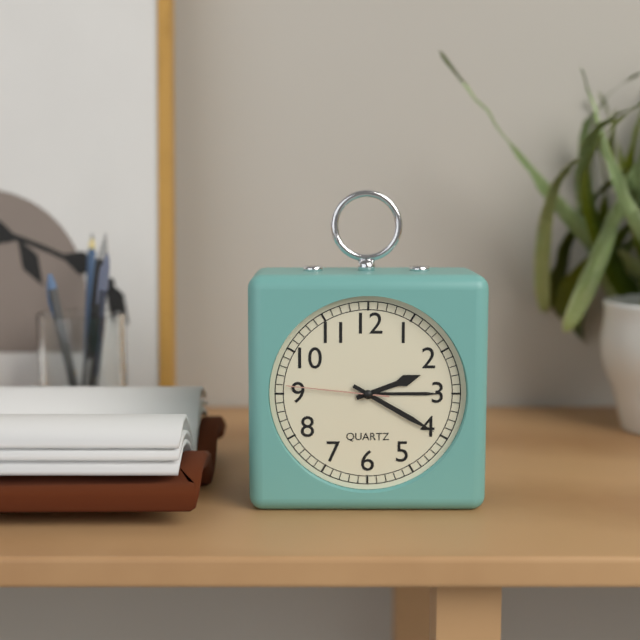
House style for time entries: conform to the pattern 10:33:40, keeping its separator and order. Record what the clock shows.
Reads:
2:20:46
